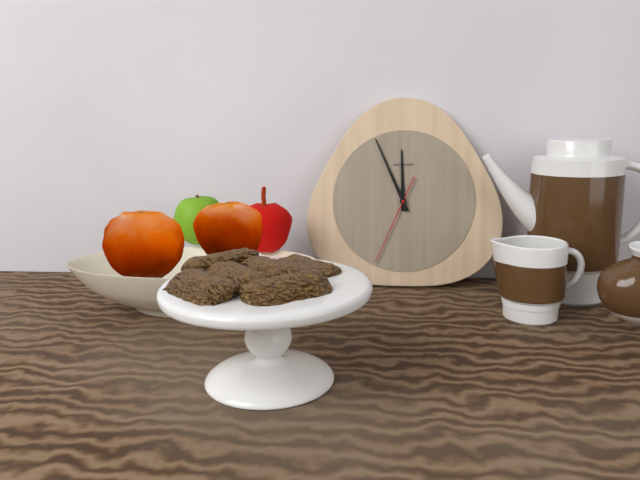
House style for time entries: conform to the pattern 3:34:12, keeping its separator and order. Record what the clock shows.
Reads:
11:56:34
